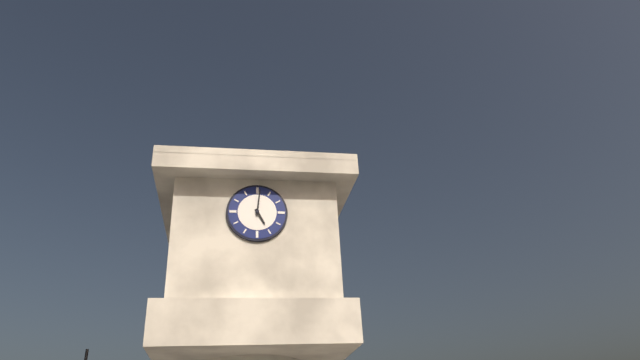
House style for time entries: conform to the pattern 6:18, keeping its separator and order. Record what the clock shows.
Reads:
5:01
